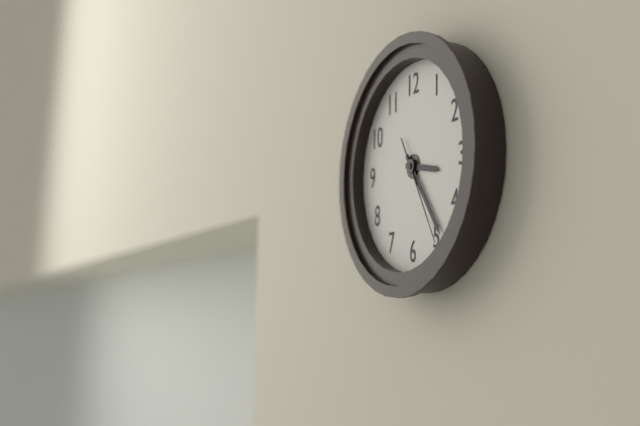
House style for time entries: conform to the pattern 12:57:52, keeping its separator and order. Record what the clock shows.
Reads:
3:24:25
